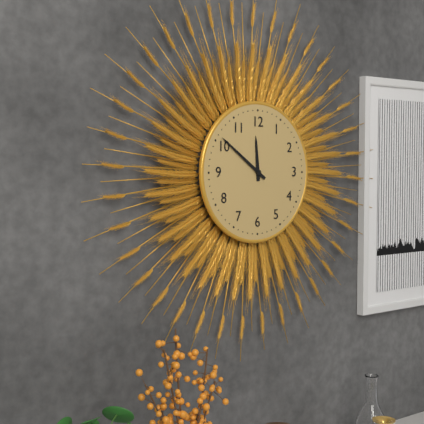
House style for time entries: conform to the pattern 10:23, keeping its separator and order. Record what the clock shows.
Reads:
11:51
